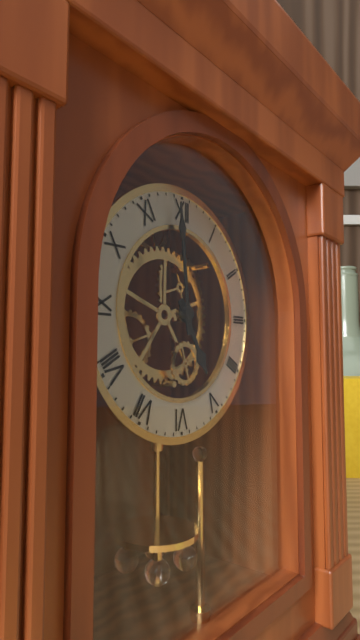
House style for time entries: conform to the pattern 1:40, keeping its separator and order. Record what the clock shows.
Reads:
4:59
